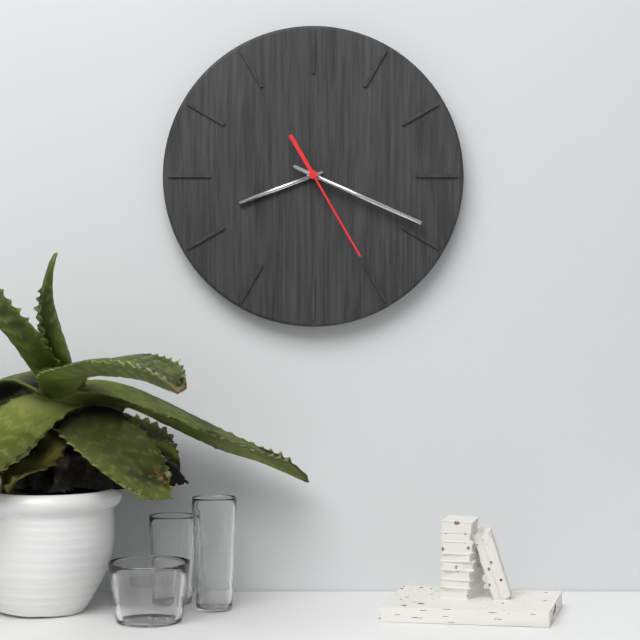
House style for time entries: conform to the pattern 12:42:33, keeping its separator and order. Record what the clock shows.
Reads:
8:19:25
